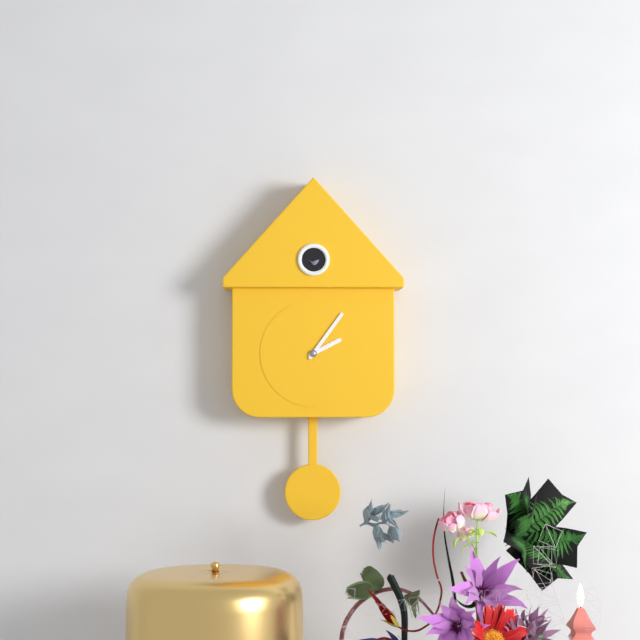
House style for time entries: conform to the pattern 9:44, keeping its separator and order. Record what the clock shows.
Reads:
2:06
